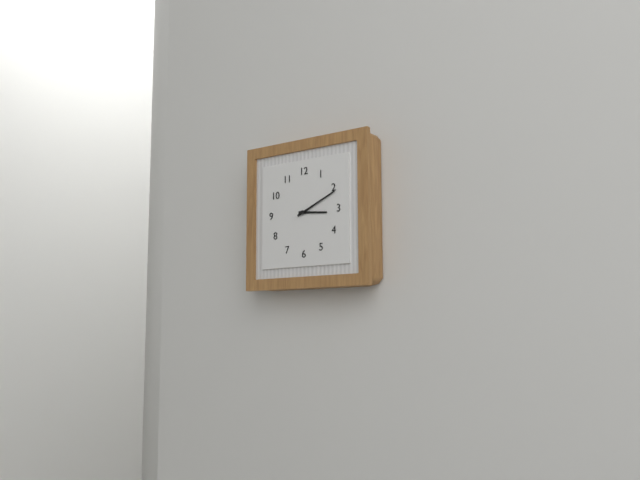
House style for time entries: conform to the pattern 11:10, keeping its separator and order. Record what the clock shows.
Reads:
3:11
